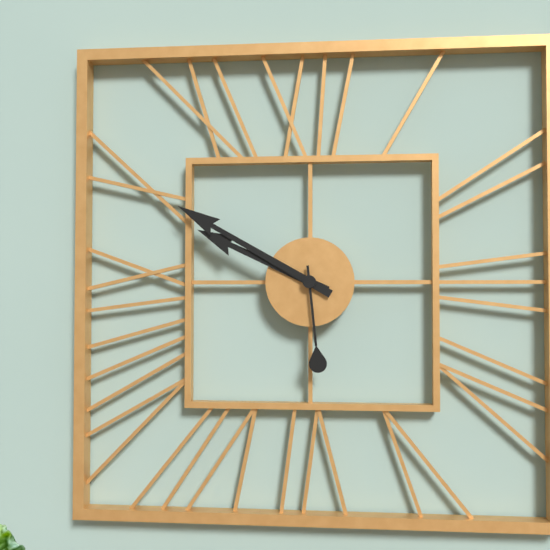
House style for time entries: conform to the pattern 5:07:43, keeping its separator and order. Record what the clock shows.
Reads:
9:50:29
